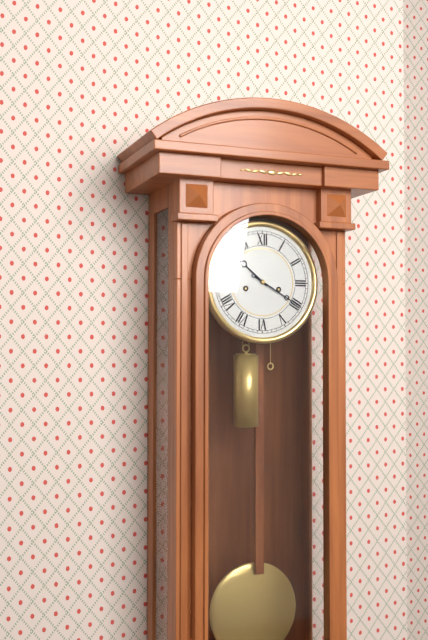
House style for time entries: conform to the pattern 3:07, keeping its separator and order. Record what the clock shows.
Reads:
10:20
